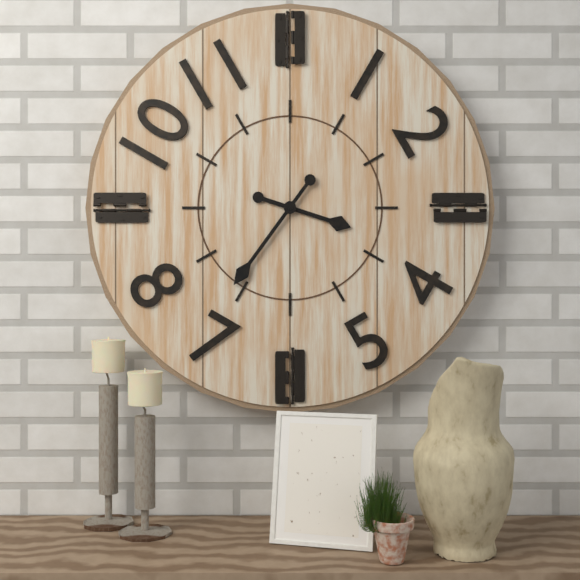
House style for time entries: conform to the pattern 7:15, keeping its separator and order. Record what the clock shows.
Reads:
3:36
